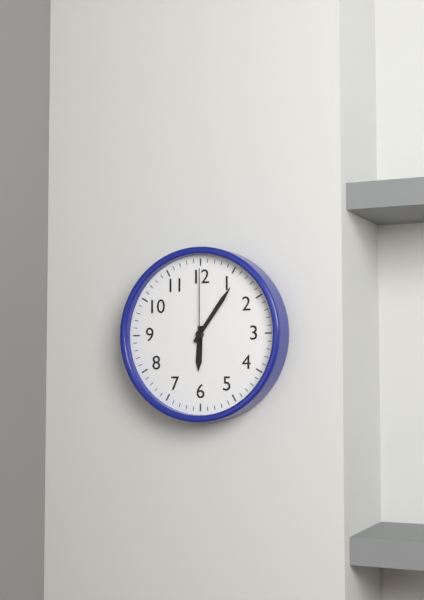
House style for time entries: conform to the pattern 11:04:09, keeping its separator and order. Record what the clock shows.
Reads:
6:06:00
